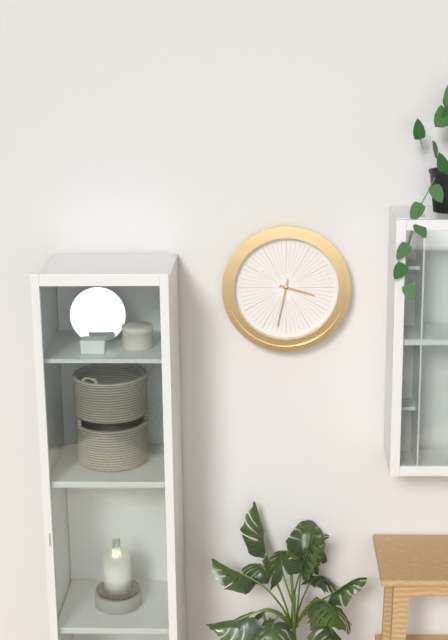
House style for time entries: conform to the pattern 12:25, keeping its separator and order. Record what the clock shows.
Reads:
3:32
